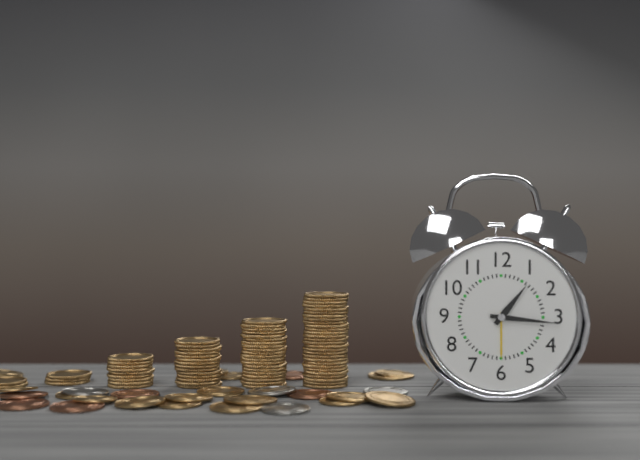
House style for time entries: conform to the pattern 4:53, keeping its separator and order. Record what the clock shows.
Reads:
1:16
